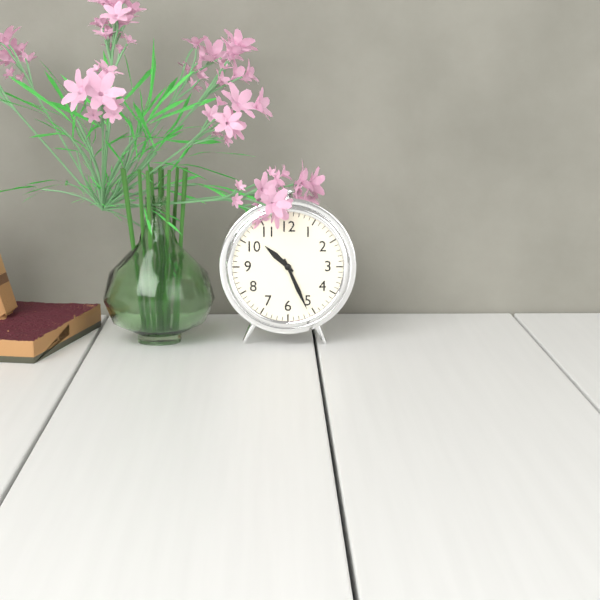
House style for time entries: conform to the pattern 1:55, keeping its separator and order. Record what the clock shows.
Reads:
10:26
